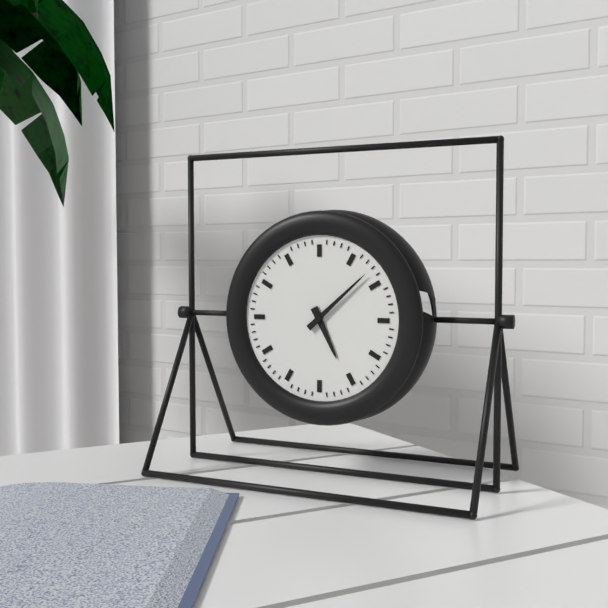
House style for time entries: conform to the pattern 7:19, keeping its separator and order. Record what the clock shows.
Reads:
5:08
